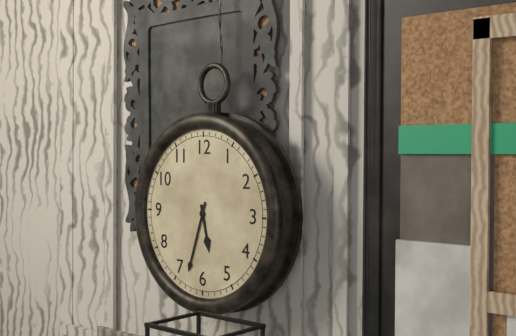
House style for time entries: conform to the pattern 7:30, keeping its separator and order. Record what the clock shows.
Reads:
5:33
